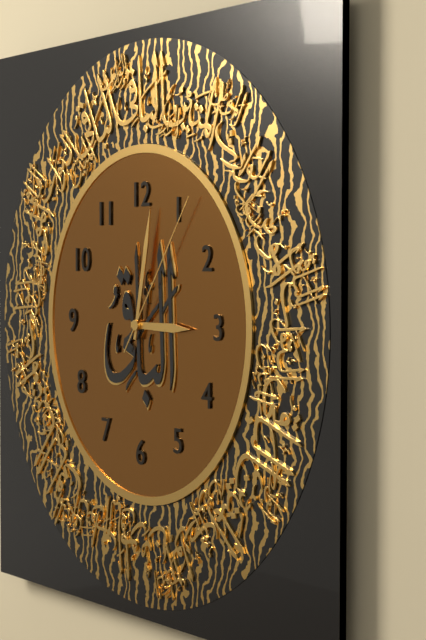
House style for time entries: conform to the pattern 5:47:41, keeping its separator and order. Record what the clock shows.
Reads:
3:02:06
